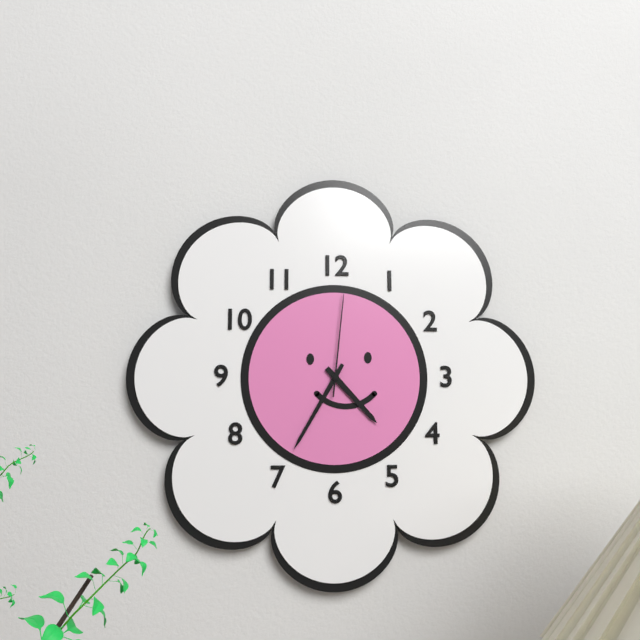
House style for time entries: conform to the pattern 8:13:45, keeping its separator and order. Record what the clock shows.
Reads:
4:35:01
